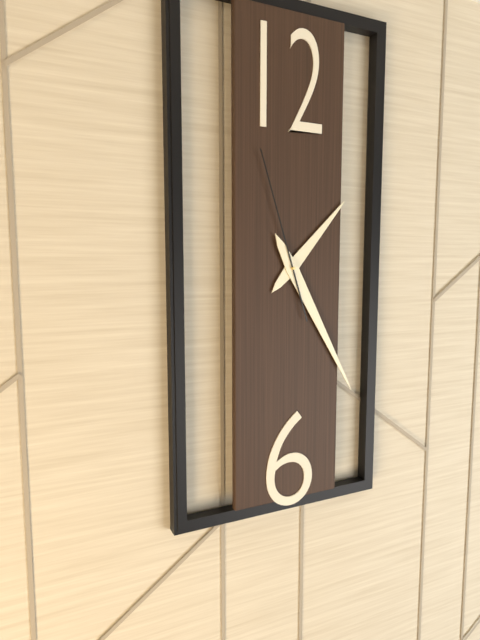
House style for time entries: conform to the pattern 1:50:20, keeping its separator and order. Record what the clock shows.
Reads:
1:25:57
